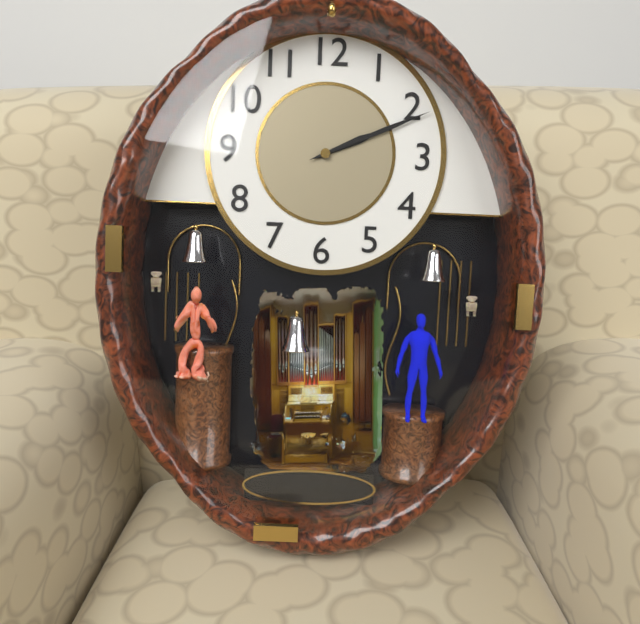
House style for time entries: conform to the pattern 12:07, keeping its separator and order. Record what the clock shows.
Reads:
2:11
